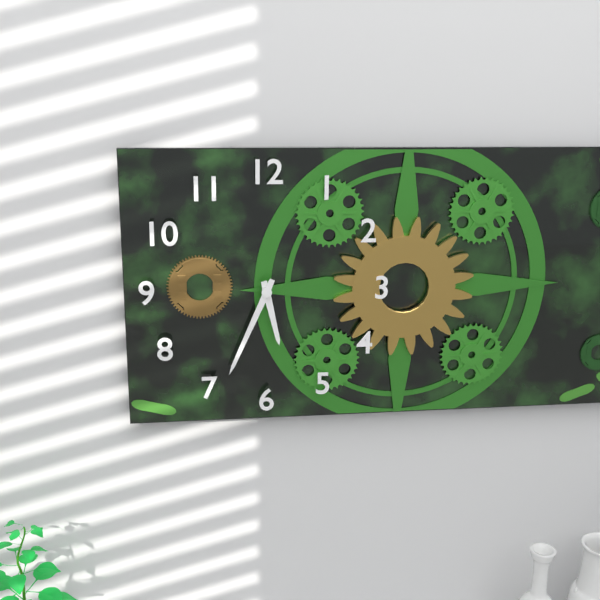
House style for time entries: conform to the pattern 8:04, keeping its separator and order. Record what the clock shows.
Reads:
5:34
